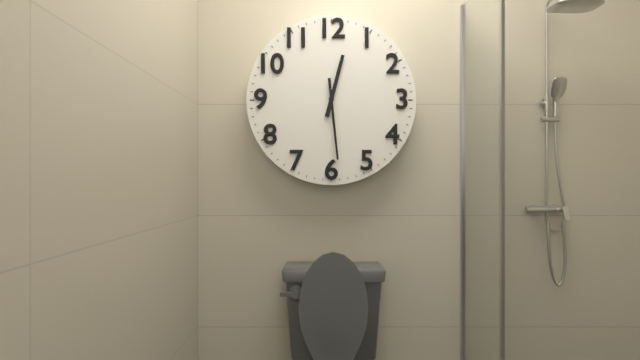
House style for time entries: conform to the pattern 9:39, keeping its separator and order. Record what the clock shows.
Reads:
12:29
